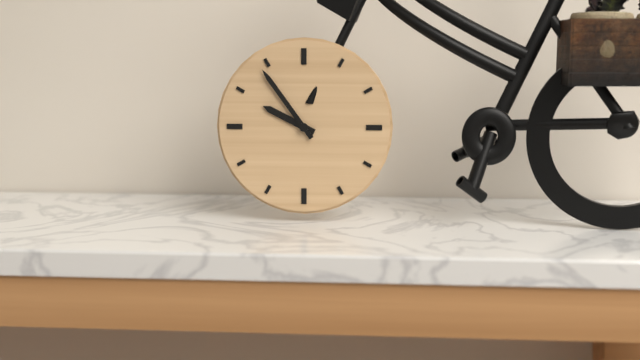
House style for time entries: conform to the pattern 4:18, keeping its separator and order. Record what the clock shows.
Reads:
9:54
